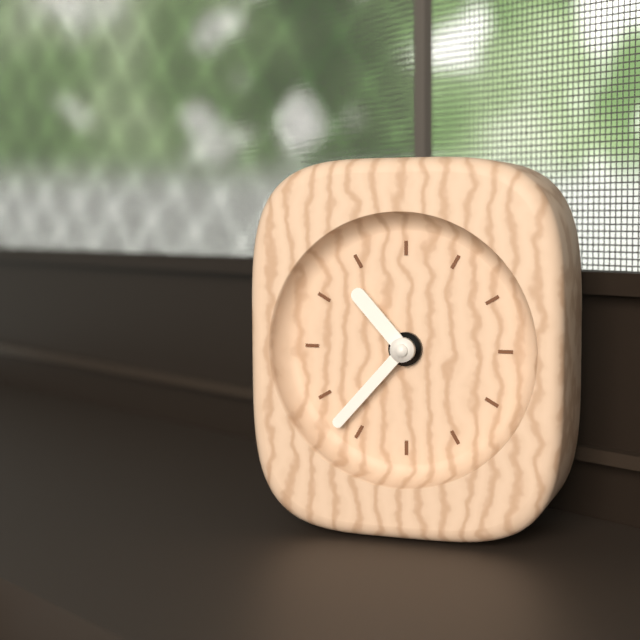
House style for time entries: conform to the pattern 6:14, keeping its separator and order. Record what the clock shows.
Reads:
10:37
